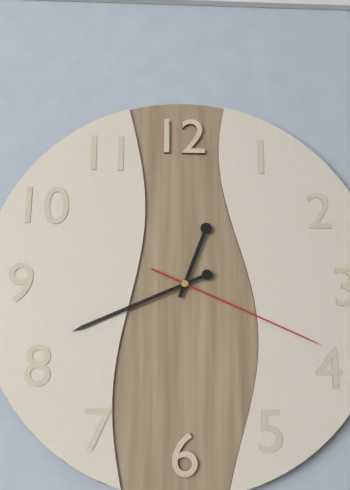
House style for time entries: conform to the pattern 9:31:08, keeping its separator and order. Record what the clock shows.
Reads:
12:41:19
